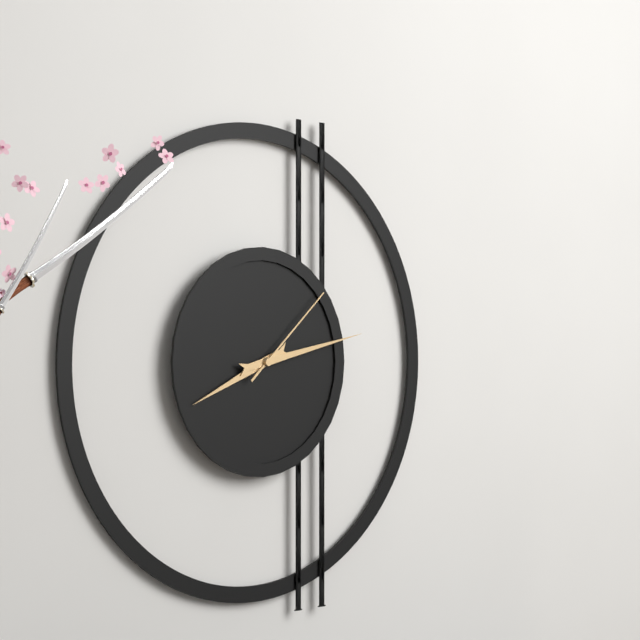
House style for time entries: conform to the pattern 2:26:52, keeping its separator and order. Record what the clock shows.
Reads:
8:13:08
